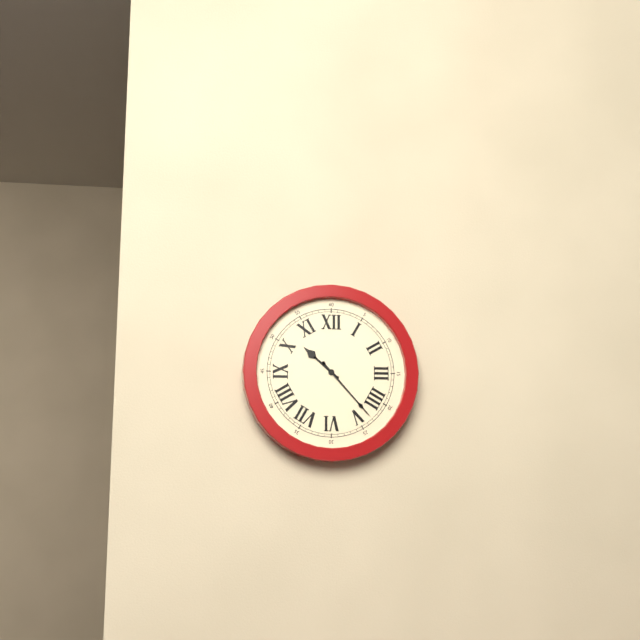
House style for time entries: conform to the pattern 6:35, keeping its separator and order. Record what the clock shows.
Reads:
10:23
